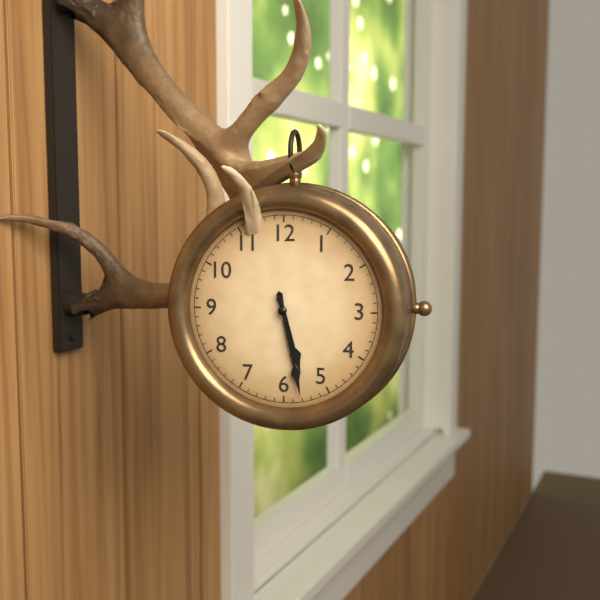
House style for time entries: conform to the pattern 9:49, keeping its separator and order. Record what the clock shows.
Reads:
5:28
